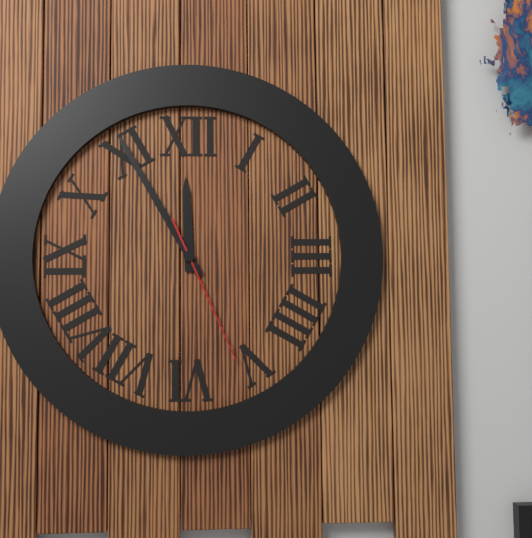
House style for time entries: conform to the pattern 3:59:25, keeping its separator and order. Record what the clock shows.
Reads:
11:55:26
